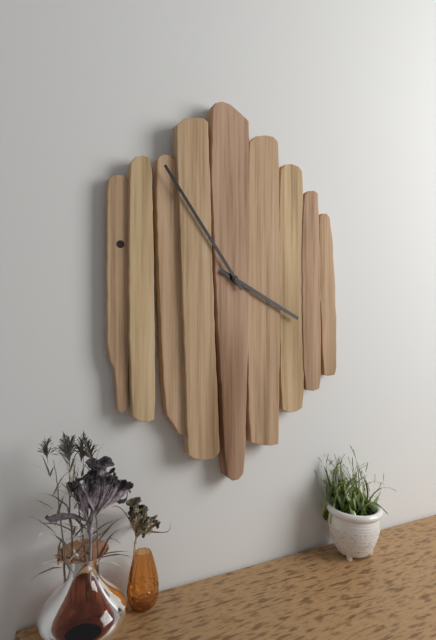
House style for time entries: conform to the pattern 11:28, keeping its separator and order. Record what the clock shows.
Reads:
3:54
